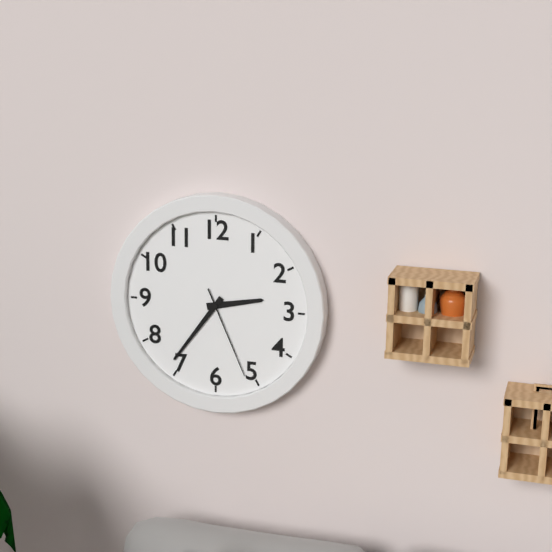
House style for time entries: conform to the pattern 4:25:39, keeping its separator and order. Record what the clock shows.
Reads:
2:36:26
